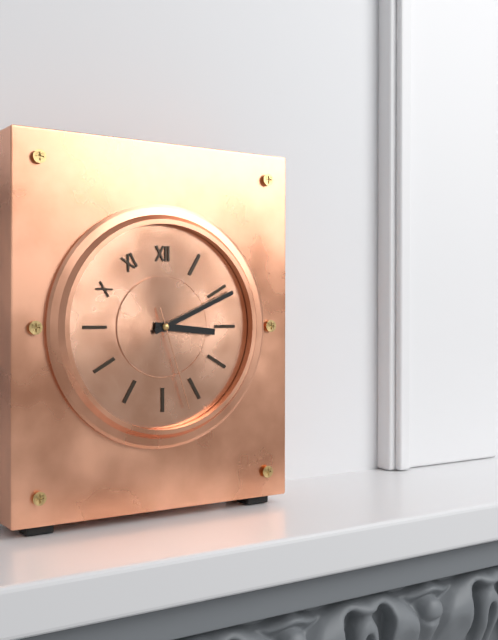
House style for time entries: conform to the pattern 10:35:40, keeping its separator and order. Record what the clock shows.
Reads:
3:11:27
